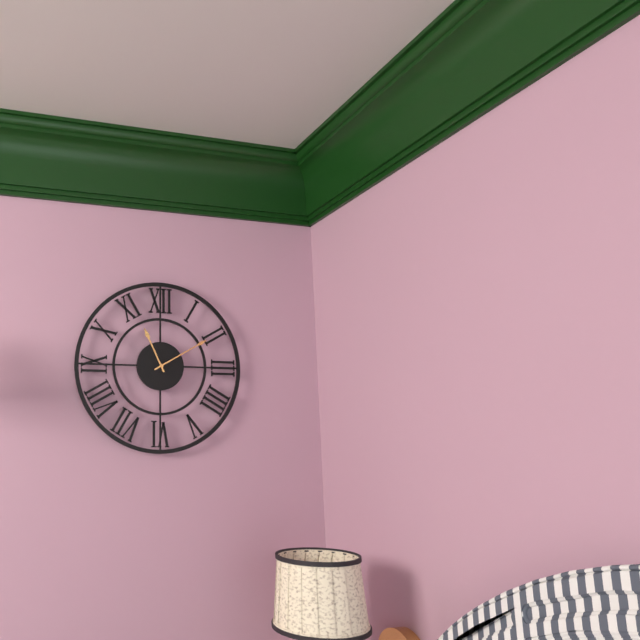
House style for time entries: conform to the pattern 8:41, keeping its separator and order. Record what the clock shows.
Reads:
11:10
